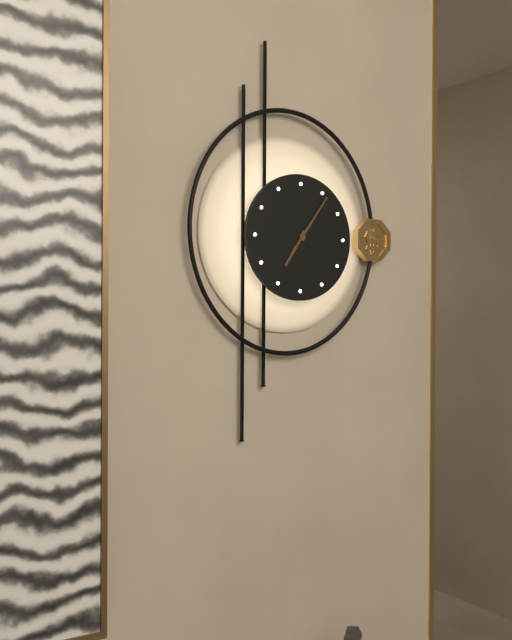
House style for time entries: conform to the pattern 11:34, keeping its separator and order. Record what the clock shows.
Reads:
7:06
